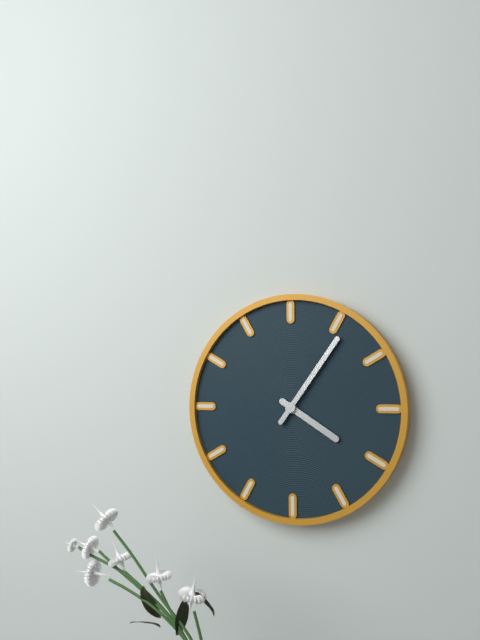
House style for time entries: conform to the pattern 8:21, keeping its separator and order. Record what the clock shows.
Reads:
4:06
